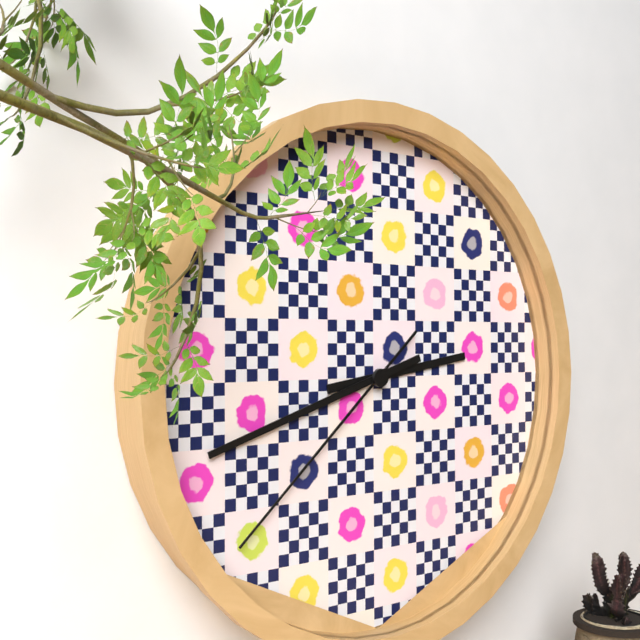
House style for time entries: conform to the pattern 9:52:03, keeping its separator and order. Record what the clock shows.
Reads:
2:42:38
